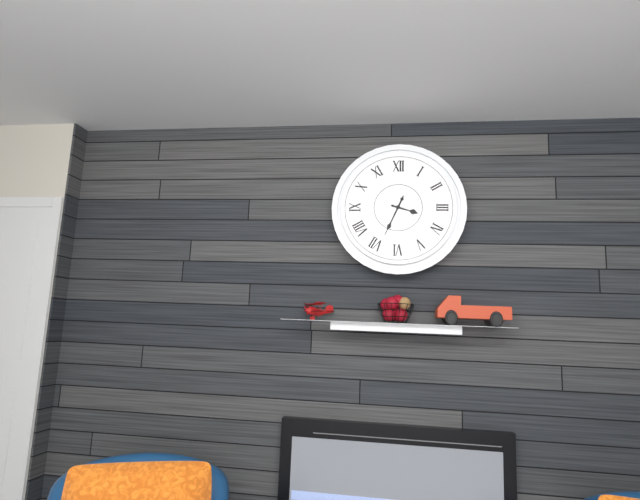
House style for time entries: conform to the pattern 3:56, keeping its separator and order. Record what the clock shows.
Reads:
3:34
